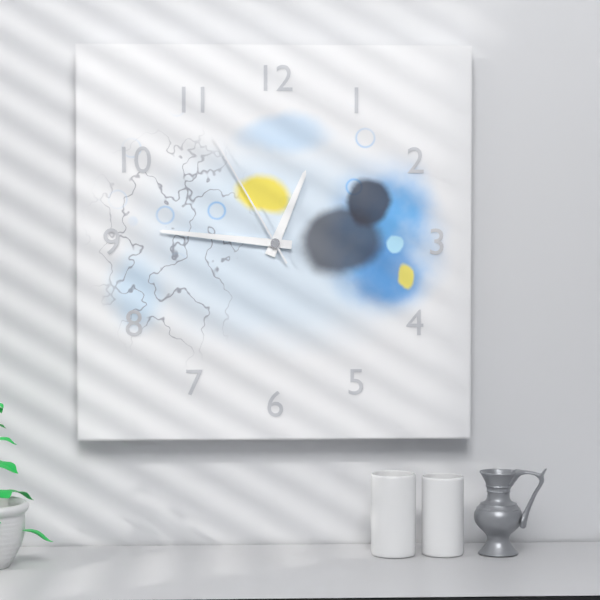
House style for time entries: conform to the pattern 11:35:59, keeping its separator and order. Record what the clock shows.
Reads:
12:46:55
